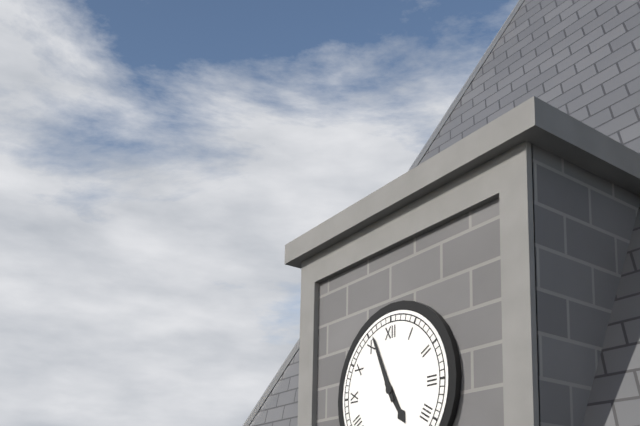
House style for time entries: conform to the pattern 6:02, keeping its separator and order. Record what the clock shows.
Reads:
4:56
